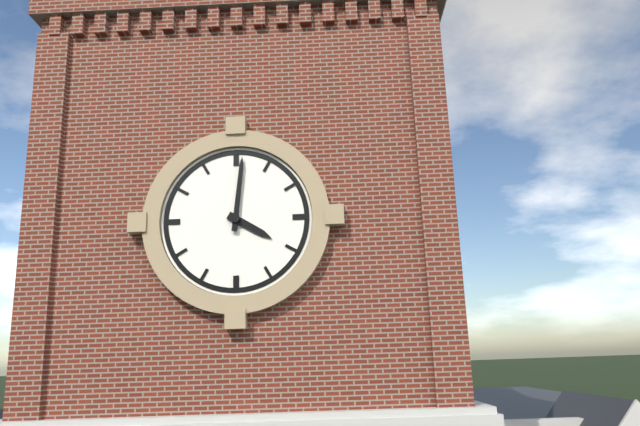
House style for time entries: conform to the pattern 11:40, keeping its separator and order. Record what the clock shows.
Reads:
4:01
